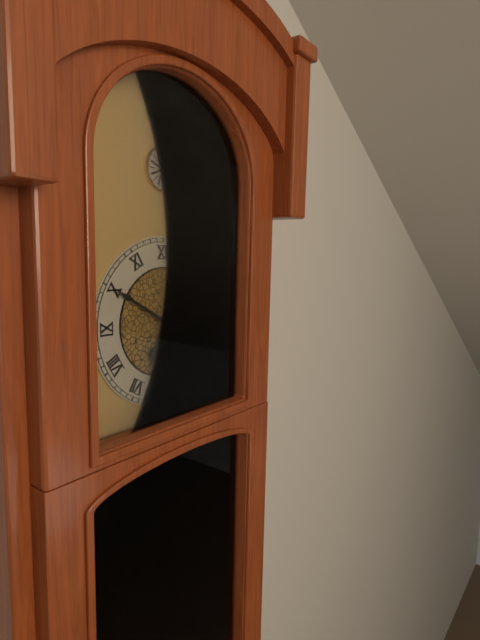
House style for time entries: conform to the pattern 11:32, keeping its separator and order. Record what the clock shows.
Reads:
6:50
